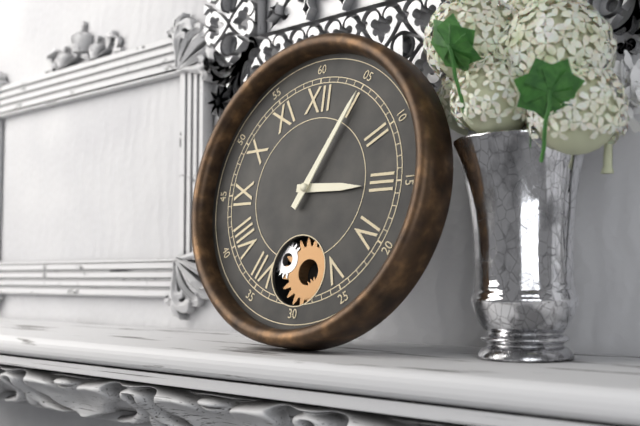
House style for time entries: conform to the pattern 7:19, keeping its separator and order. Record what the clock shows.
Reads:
3:05
